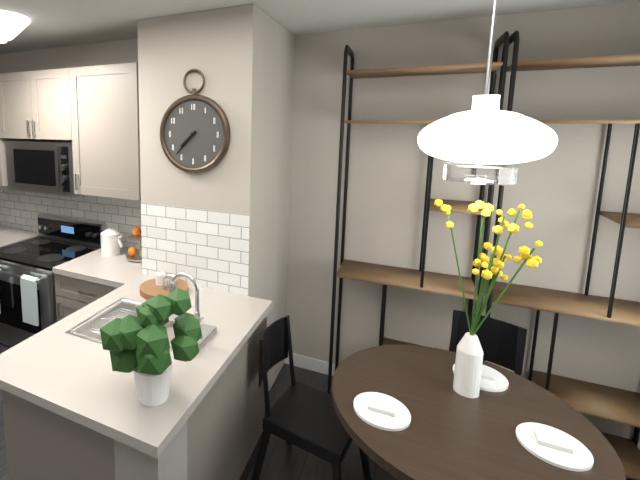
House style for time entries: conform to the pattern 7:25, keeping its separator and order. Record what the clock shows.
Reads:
7:37
